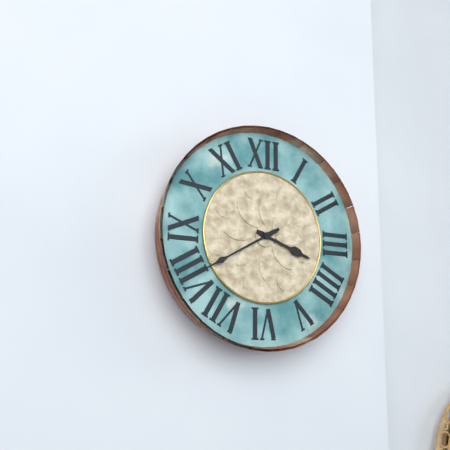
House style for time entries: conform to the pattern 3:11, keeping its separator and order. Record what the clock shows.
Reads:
3:40
